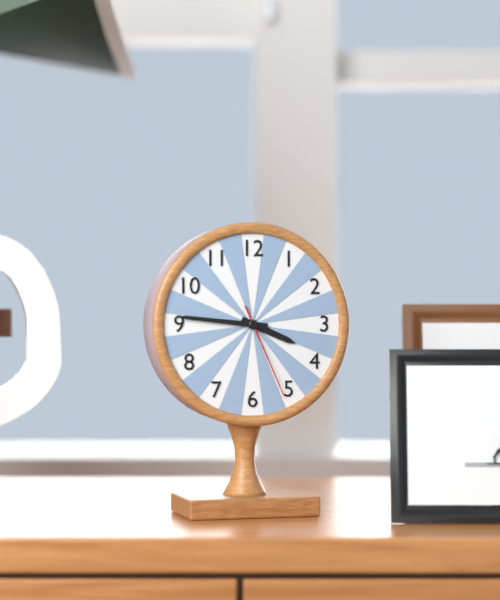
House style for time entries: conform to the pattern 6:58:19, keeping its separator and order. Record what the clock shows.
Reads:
3:46:26
